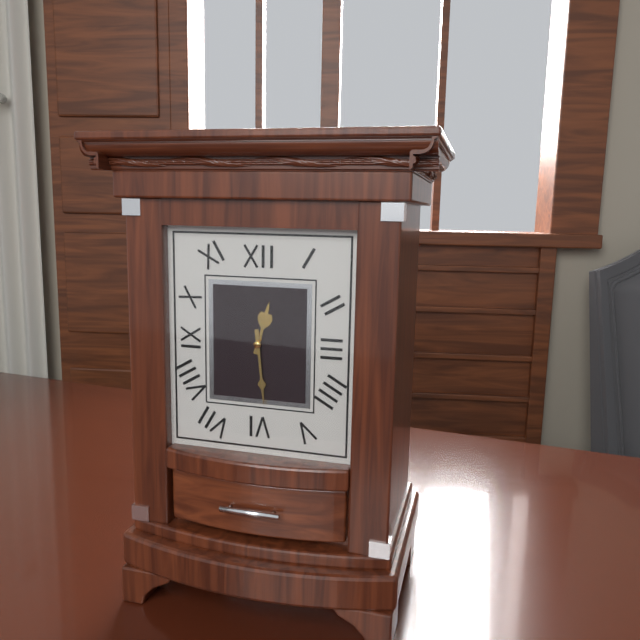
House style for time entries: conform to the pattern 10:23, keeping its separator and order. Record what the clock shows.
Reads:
12:29
